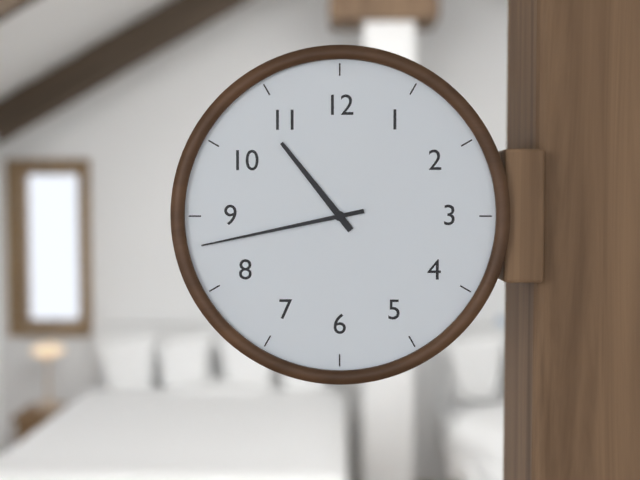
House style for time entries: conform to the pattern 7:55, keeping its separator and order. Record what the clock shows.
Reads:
10:43
